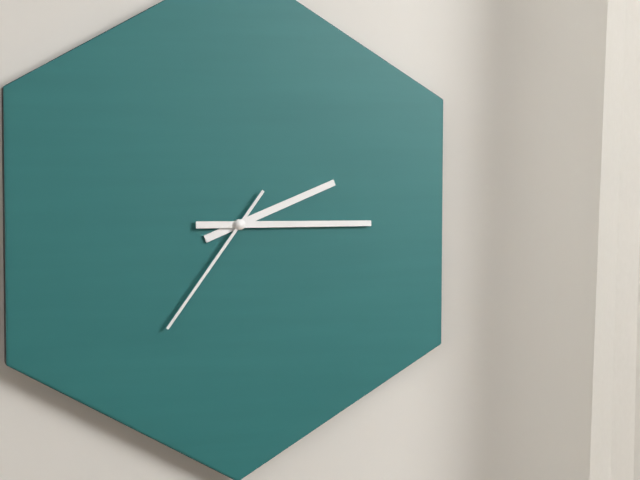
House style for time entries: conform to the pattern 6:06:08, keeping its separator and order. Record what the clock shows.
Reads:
2:15:36
